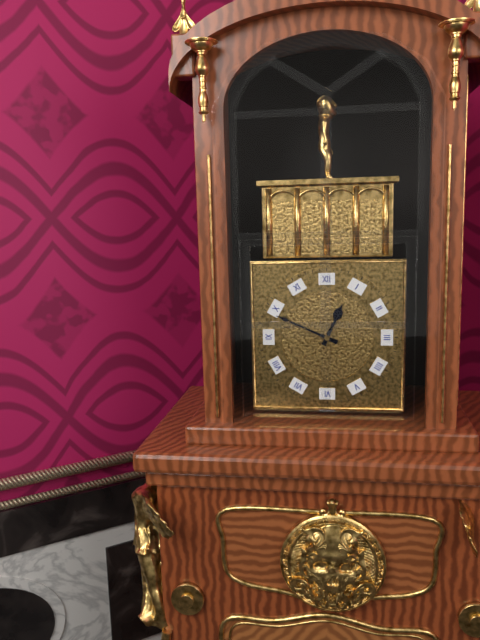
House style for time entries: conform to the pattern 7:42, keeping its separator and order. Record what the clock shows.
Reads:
12:49
